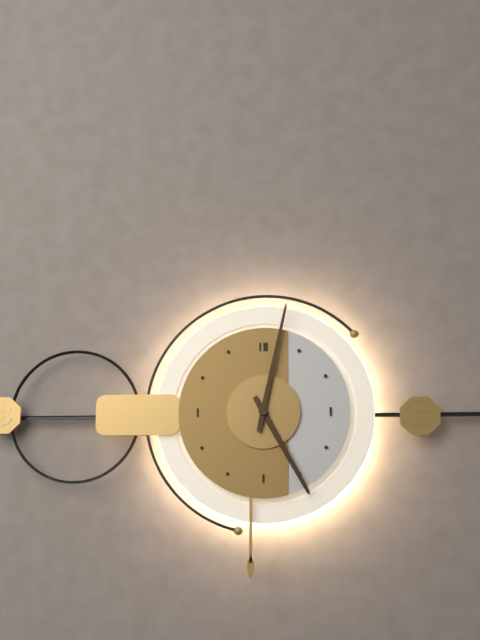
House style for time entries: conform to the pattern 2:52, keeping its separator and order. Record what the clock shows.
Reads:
5:02
